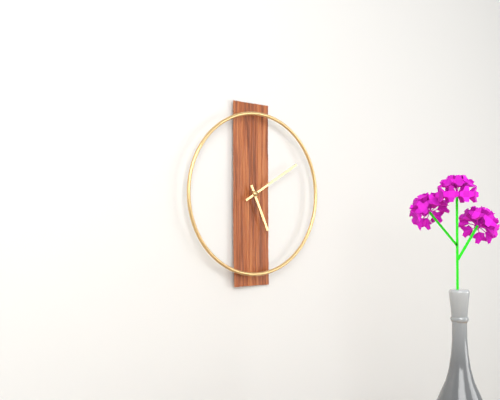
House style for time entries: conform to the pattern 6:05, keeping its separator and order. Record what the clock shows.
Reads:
5:10
